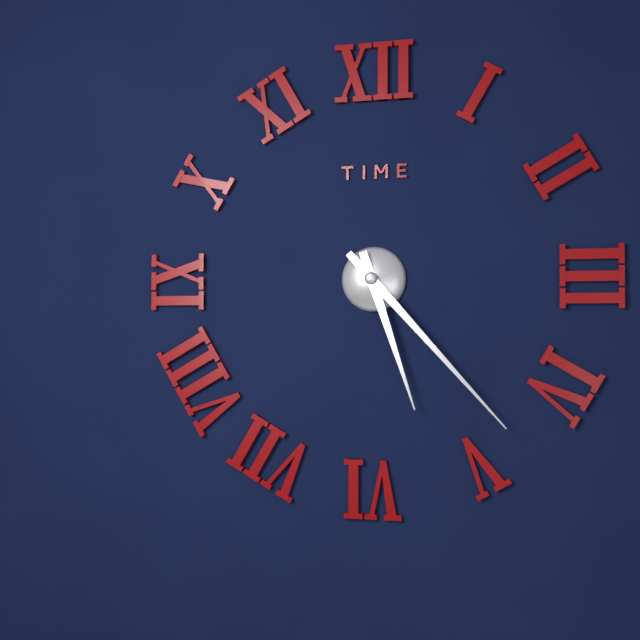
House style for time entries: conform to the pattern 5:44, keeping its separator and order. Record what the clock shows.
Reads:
5:23
